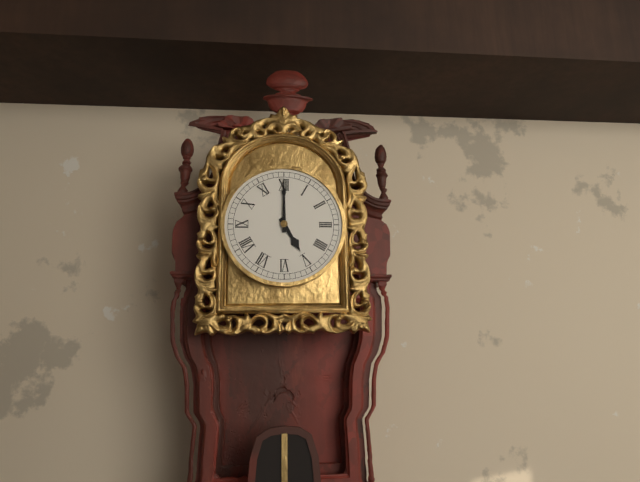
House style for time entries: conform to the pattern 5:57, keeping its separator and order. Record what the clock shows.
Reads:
5:00
